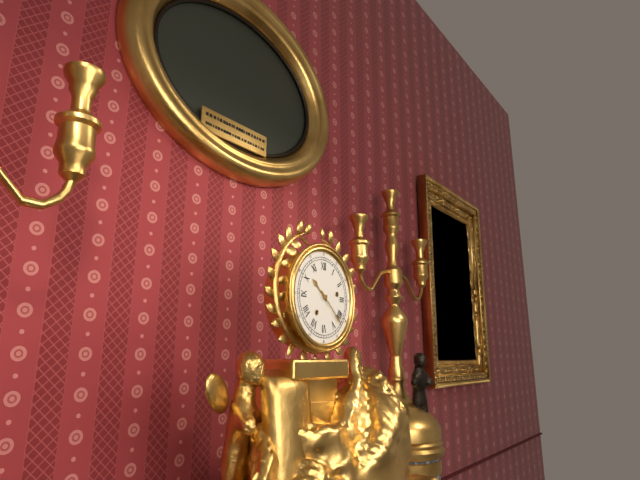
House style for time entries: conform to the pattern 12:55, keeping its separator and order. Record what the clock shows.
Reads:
10:22
